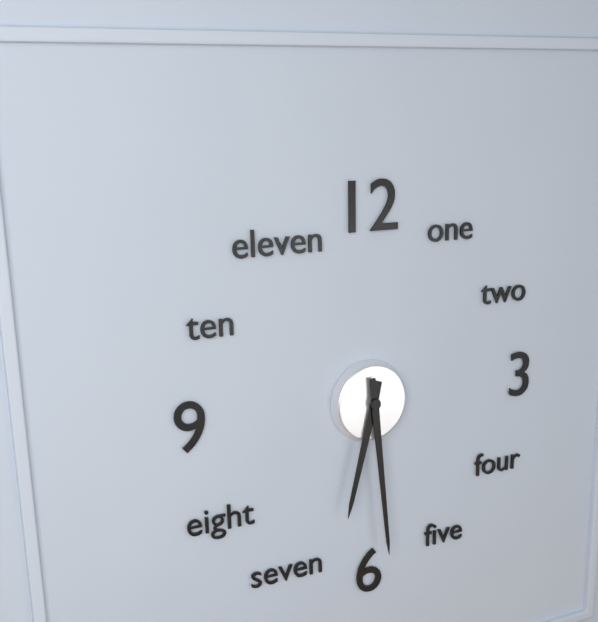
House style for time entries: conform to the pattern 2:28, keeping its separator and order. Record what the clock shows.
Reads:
6:29
